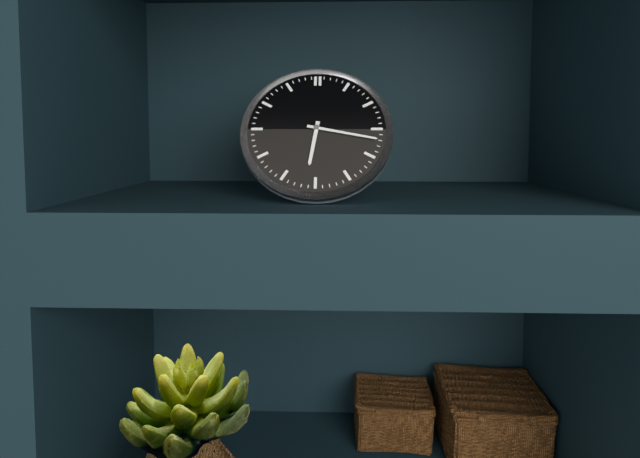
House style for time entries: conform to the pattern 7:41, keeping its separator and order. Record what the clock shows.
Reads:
6:17
